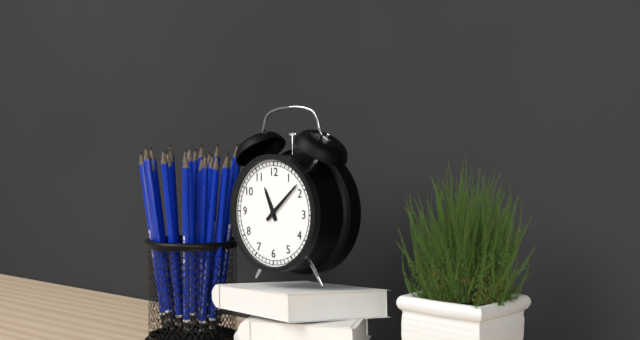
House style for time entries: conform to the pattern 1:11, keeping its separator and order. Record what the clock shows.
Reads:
11:08
